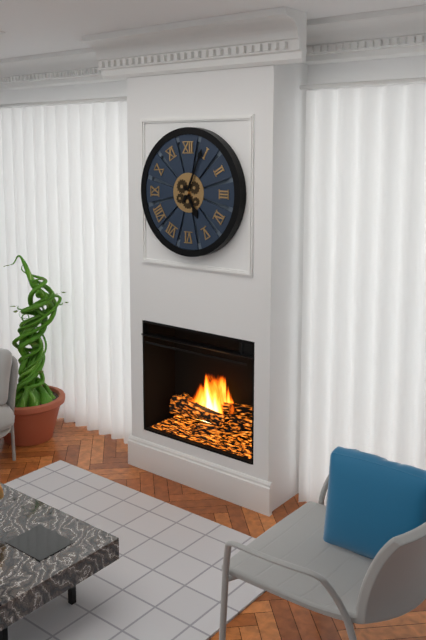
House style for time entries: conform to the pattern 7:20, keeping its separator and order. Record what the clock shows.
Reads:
5:04
